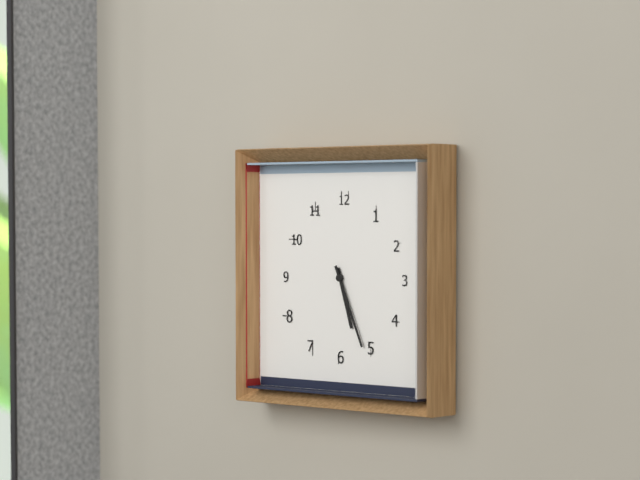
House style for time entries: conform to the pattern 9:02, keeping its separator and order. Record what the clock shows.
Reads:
5:26
